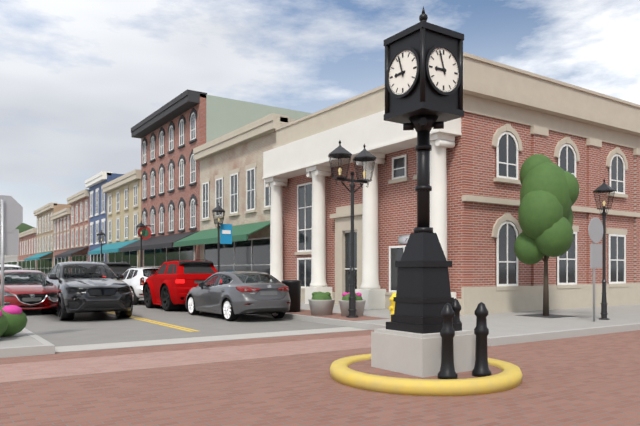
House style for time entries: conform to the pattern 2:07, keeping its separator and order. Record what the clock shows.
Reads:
8:57
